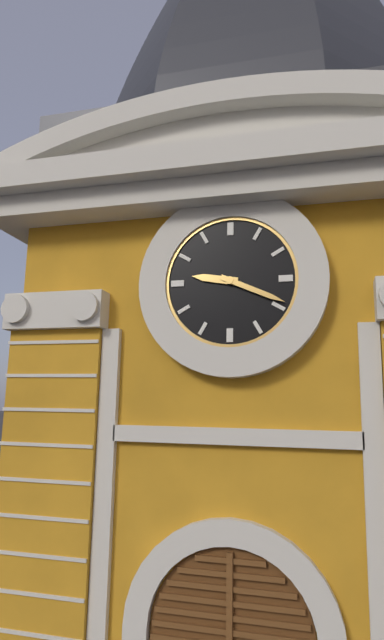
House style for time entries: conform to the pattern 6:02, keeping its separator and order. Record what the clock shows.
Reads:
9:19
